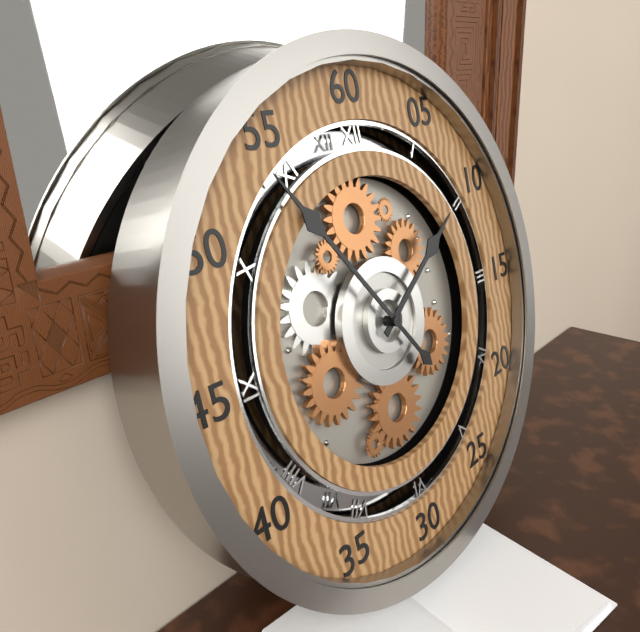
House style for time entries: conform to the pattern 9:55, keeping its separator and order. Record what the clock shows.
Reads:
1:54
